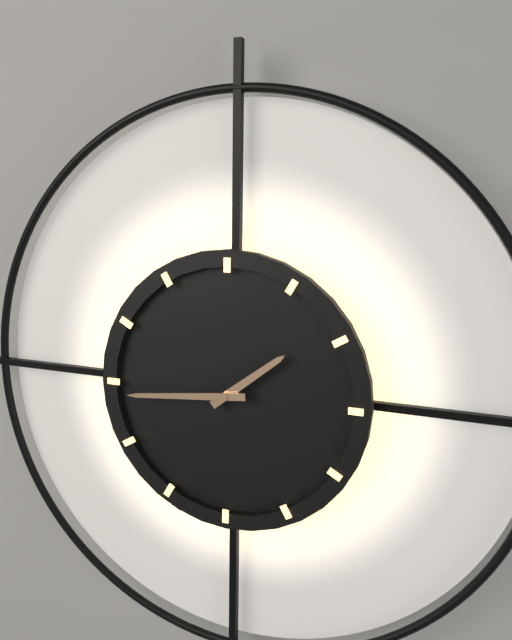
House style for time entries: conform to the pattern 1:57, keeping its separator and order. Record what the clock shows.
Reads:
1:44
